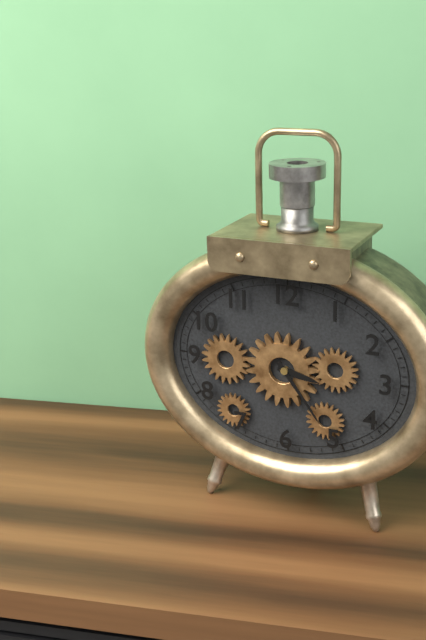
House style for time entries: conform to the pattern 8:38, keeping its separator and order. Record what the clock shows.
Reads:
3:24
